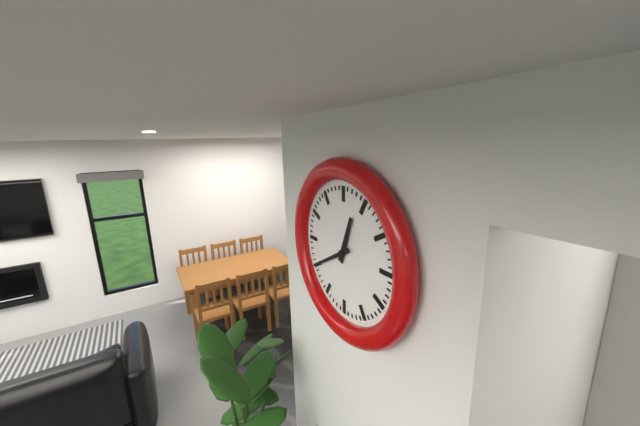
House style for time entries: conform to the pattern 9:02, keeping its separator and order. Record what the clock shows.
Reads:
12:40
